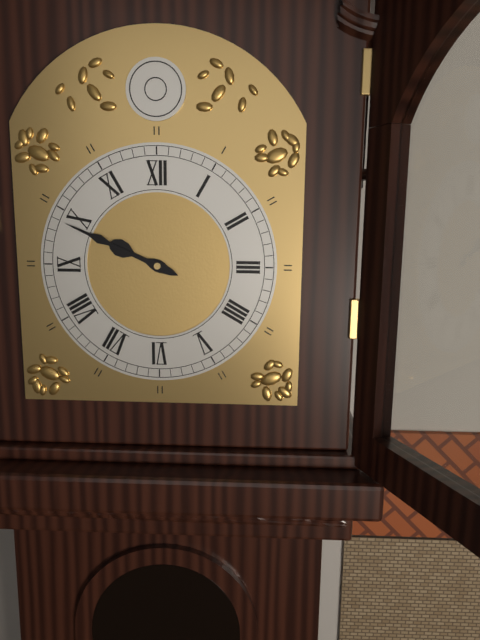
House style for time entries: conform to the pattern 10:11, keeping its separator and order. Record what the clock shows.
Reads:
9:49
